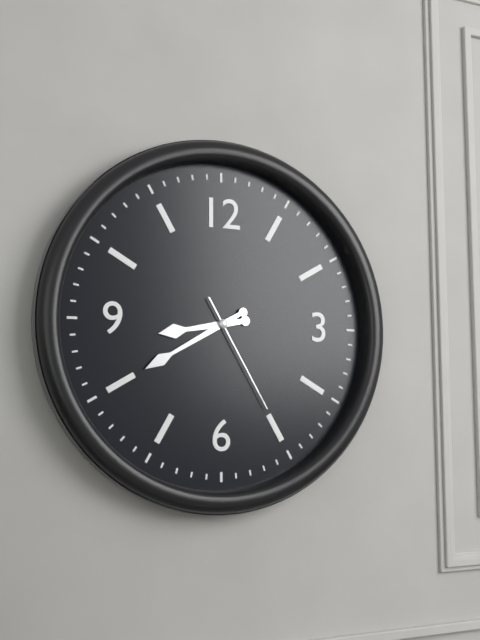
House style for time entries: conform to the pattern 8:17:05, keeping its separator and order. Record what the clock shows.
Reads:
8:40:25
